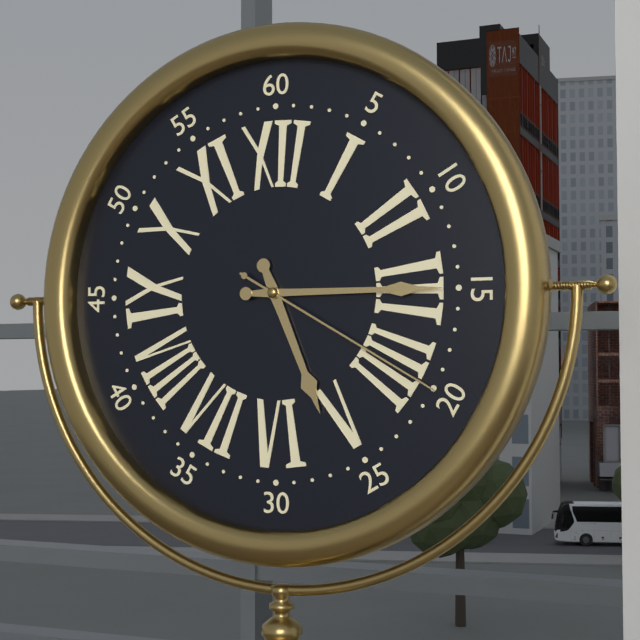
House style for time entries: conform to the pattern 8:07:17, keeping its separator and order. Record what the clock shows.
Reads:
5:15:20
